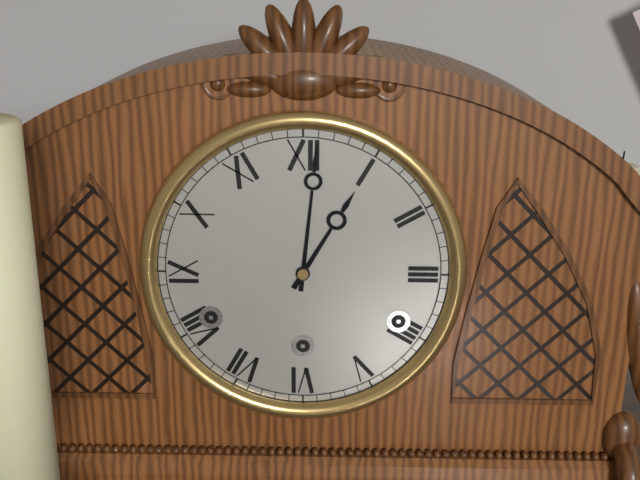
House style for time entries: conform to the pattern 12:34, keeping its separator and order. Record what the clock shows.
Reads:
1:01
